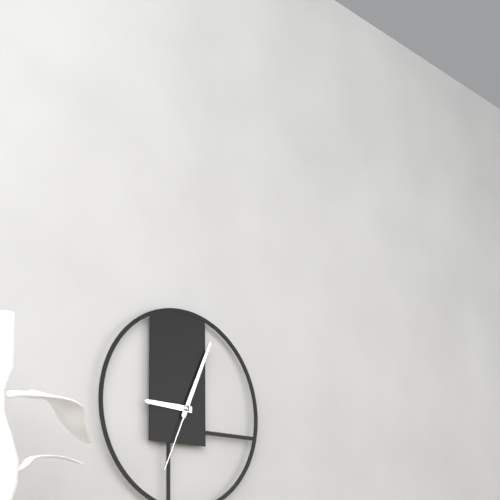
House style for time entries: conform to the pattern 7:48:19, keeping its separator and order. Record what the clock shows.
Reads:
9:04:34
